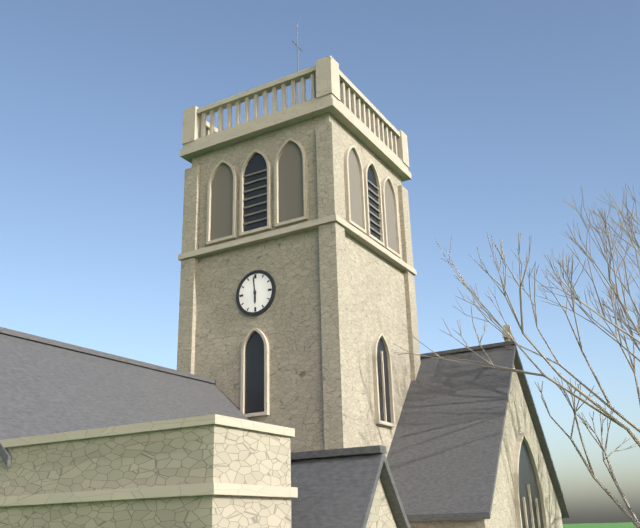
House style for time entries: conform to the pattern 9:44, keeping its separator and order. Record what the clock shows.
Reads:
5:59
